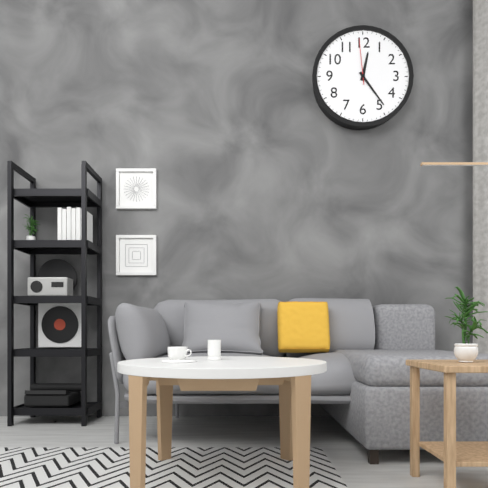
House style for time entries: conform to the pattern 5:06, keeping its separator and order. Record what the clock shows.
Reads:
12:24
